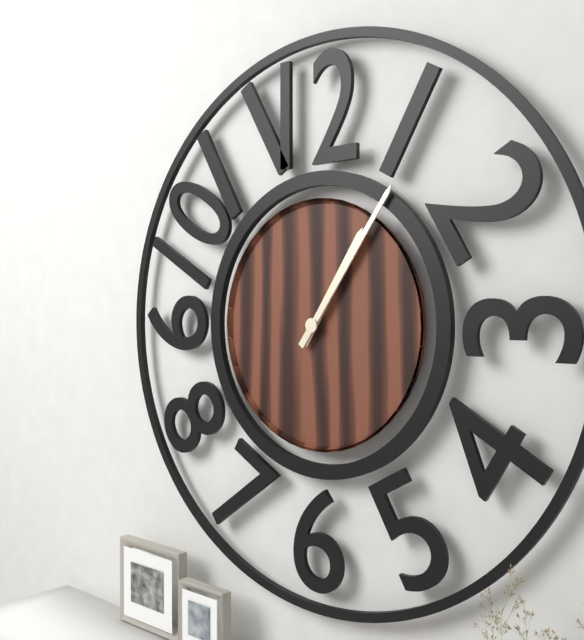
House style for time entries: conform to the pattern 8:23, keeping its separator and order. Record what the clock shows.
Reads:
1:06
